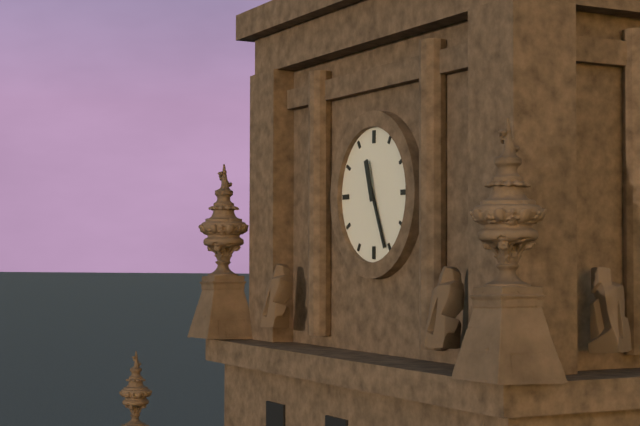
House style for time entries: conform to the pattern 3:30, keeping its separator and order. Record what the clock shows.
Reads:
11:26
